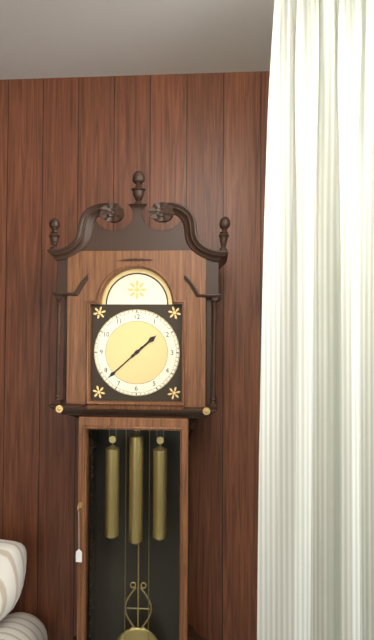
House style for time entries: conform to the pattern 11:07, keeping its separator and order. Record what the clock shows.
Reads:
1:38
